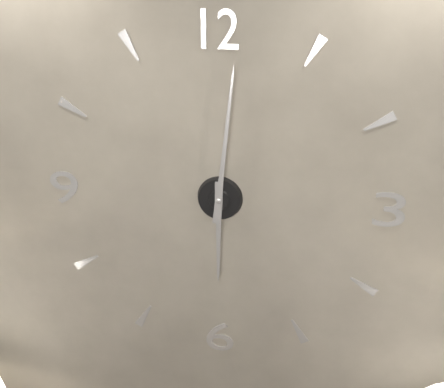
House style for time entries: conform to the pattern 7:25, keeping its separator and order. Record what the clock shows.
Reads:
6:01
